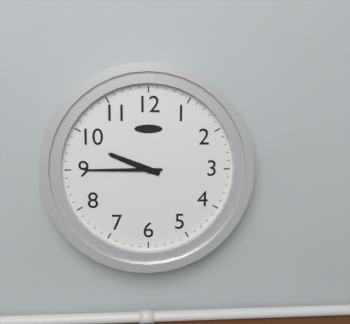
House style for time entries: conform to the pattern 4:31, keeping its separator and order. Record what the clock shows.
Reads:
9:45
